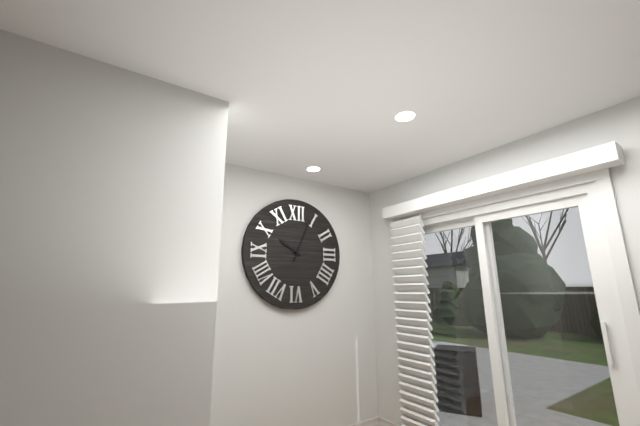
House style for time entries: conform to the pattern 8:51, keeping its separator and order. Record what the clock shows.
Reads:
10:04
